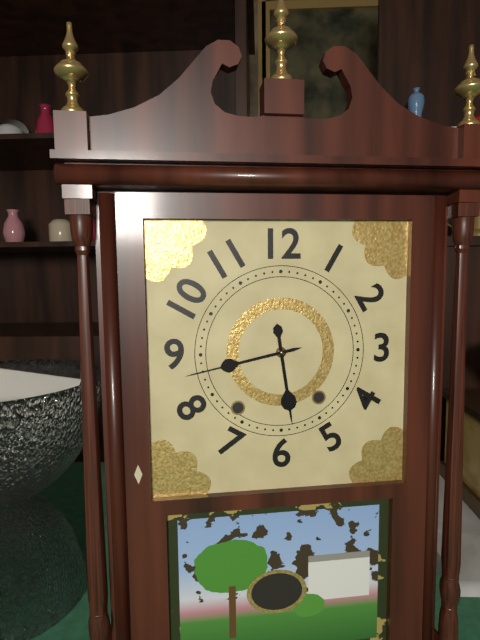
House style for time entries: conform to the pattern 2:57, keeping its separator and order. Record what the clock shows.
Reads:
5:43
